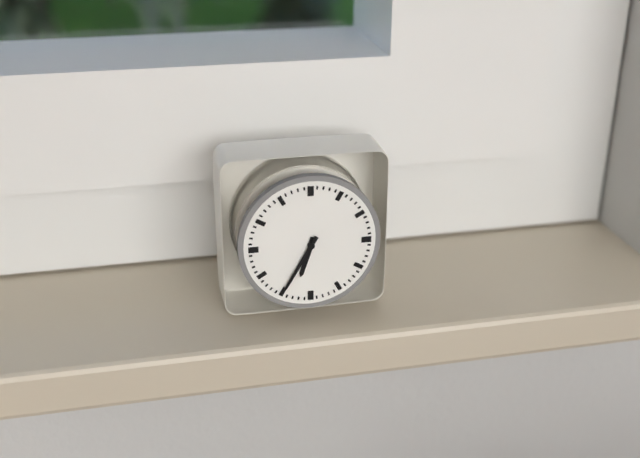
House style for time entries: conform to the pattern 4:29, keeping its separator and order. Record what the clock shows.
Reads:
6:35
